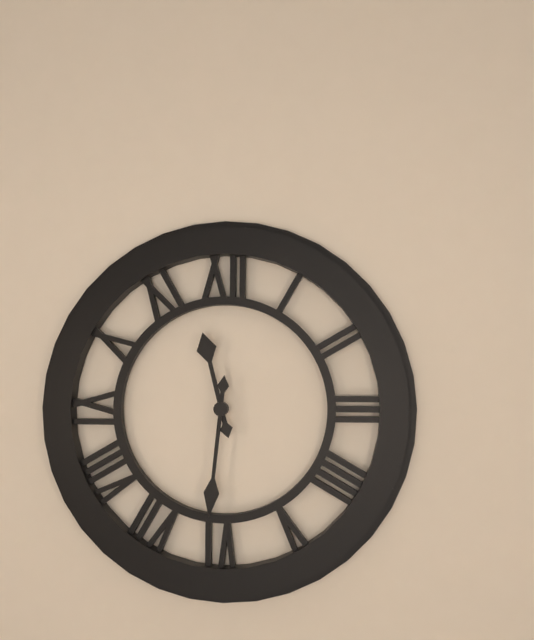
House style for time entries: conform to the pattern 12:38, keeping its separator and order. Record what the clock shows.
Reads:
11:31
